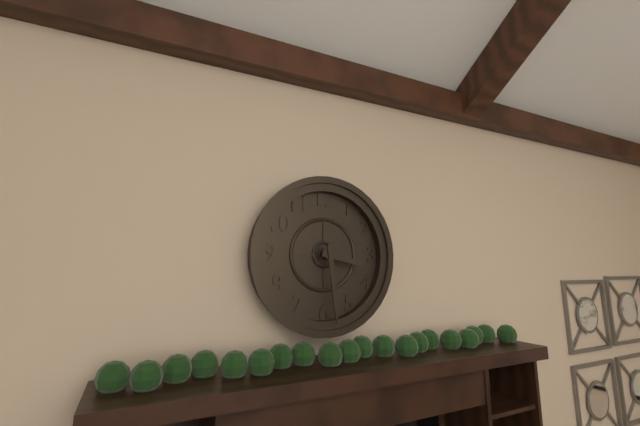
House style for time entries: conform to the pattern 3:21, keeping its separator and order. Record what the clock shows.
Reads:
3:29
